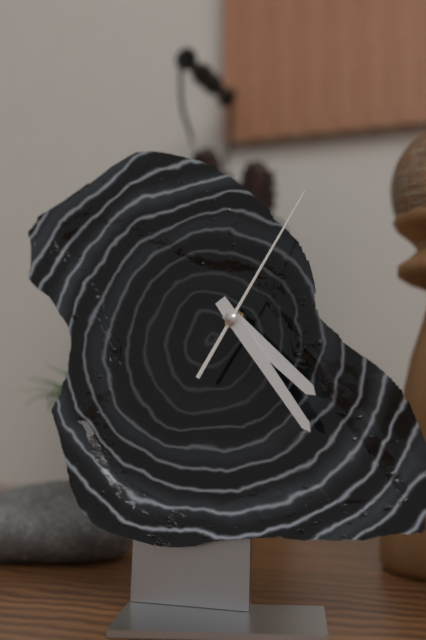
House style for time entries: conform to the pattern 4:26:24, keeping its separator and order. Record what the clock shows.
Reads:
4:24:05
